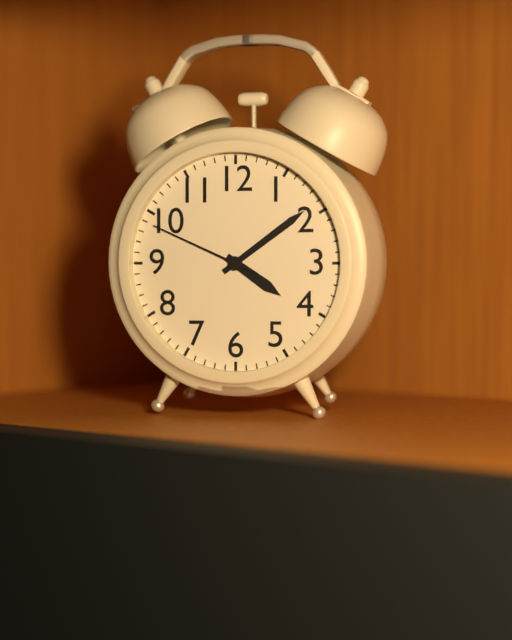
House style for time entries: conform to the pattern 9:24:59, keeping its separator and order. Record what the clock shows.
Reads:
4:09:49
